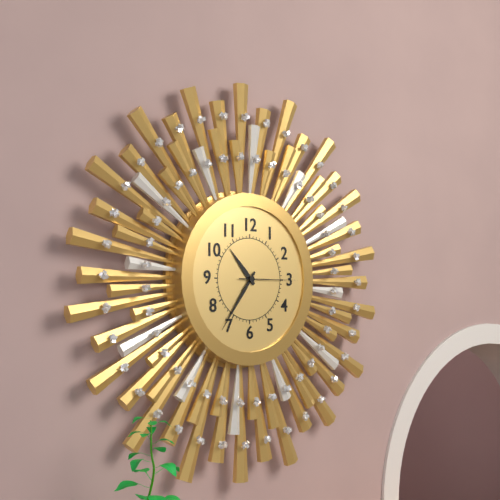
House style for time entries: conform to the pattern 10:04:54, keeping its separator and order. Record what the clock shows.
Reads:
10:36:15
